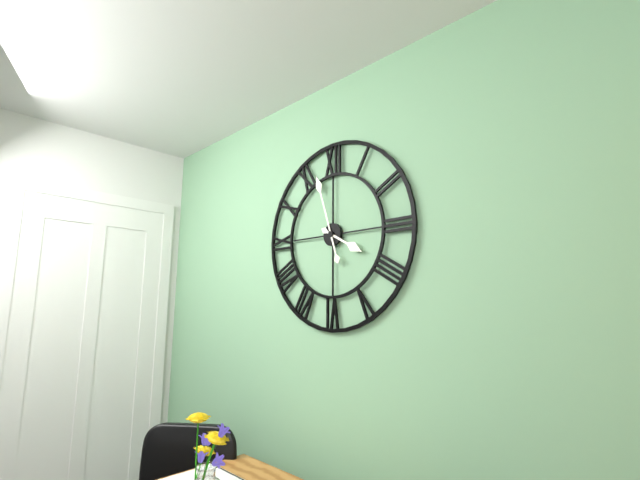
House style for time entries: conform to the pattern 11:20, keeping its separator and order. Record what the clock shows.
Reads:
3:57
